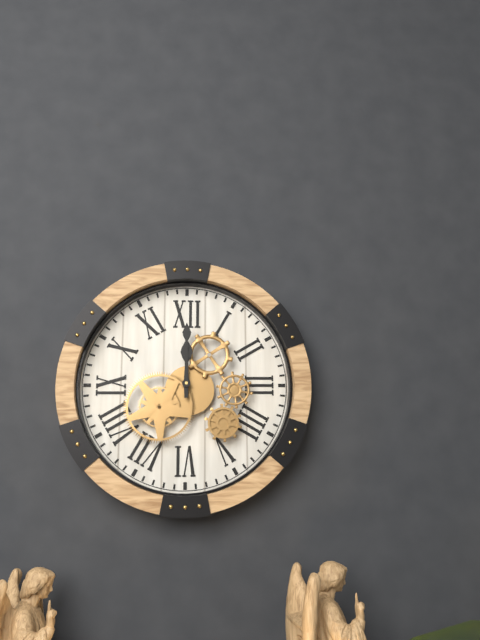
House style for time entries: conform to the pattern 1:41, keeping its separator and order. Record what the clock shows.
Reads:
12:00
